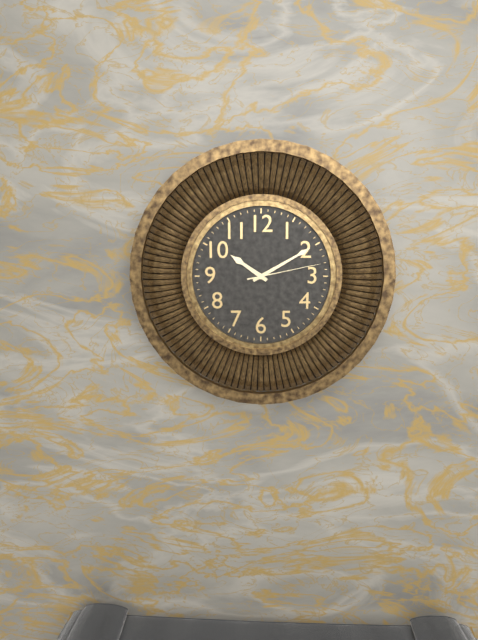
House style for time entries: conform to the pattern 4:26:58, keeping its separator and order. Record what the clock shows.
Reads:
10:10:13
